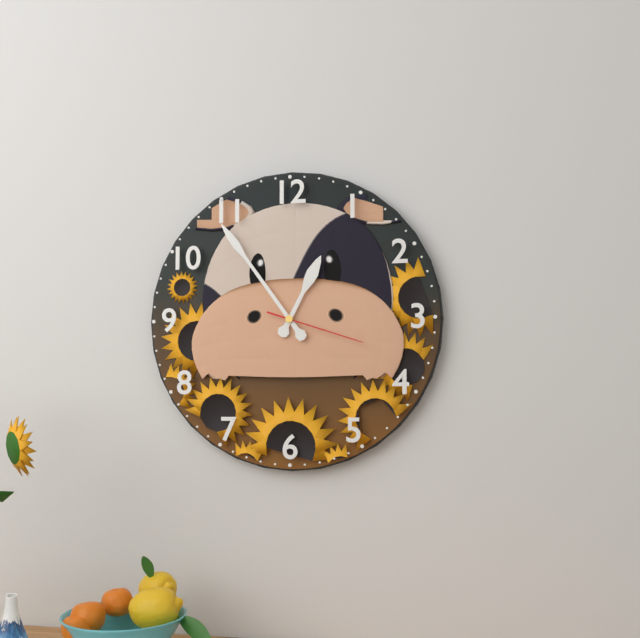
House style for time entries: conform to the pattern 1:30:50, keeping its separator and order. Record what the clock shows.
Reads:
12:54:18
